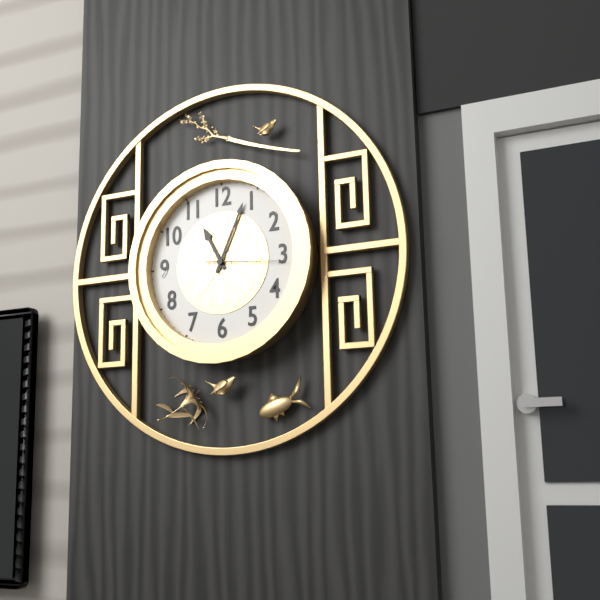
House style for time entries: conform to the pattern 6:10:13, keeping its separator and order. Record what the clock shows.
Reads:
11:04:16
